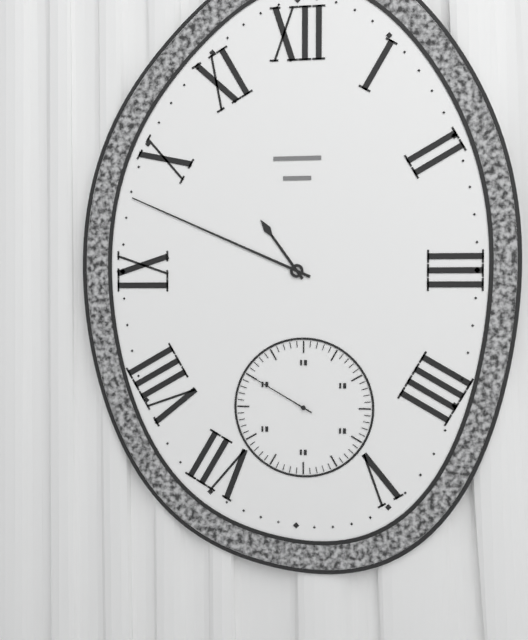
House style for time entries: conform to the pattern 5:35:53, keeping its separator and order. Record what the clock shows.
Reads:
10:49:50
